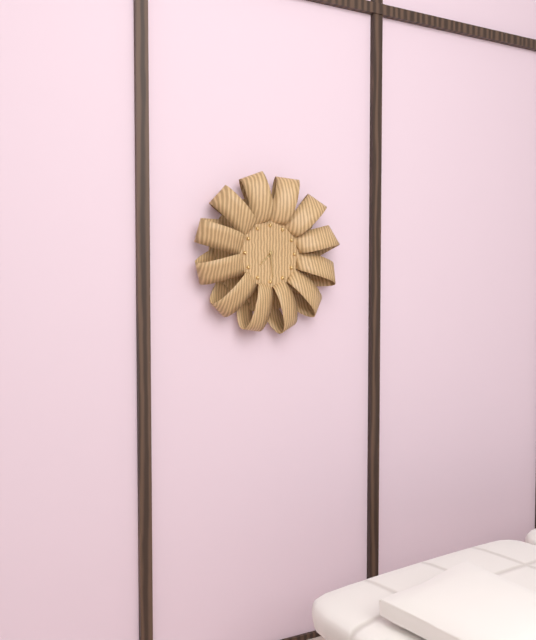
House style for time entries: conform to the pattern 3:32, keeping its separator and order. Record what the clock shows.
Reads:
7:29
